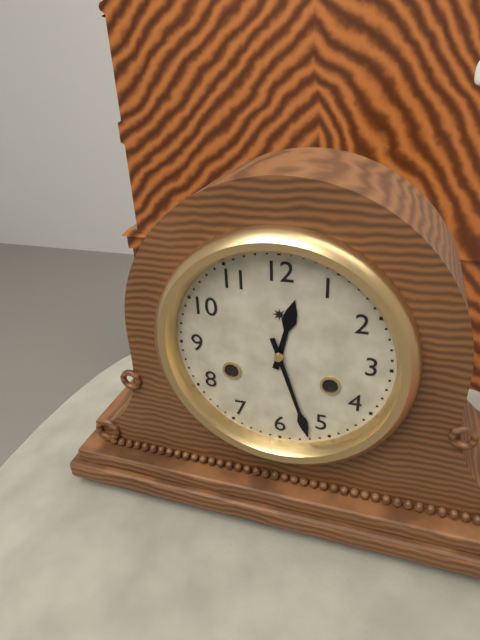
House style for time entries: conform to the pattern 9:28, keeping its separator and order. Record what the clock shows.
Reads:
12:27
